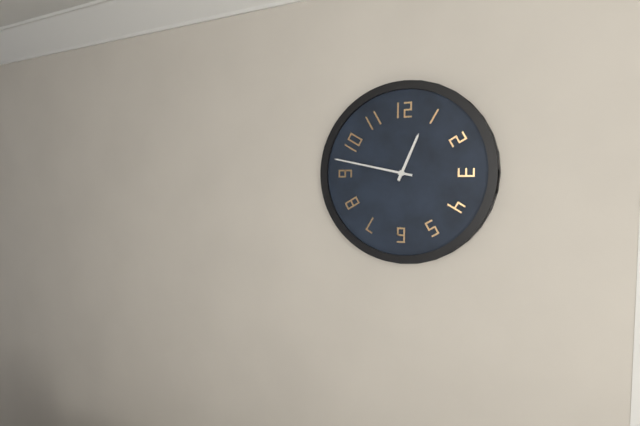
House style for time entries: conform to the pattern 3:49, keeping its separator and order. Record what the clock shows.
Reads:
12:47
